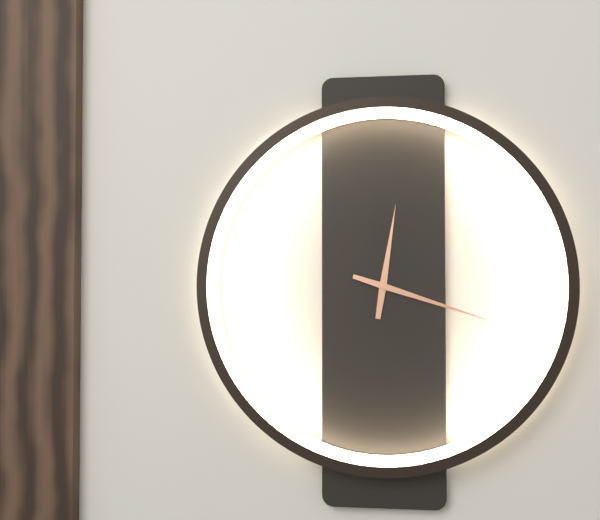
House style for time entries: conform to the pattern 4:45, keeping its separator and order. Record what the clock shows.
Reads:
12:18
